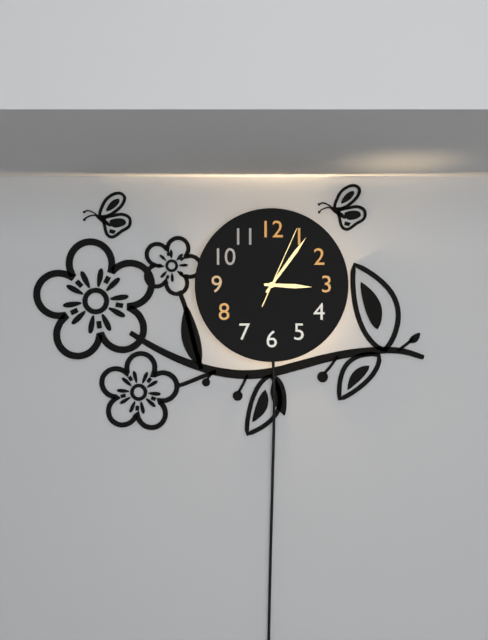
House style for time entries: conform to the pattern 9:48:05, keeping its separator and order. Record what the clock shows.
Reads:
3:06:04
